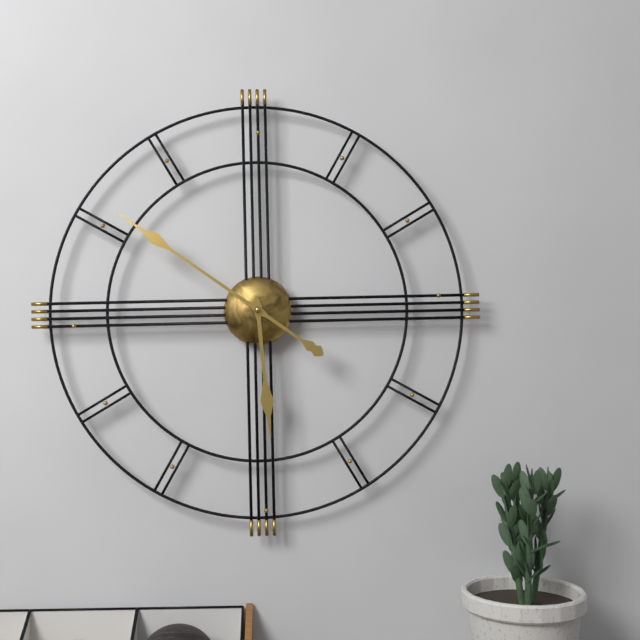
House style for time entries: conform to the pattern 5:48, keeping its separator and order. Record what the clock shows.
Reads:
5:51
